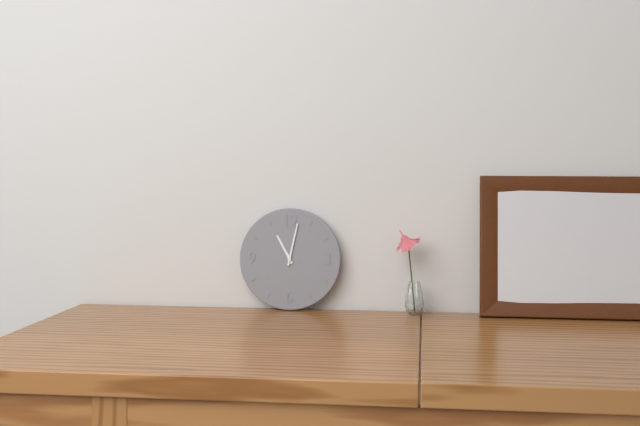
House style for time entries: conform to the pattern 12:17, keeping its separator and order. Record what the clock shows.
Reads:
11:02
